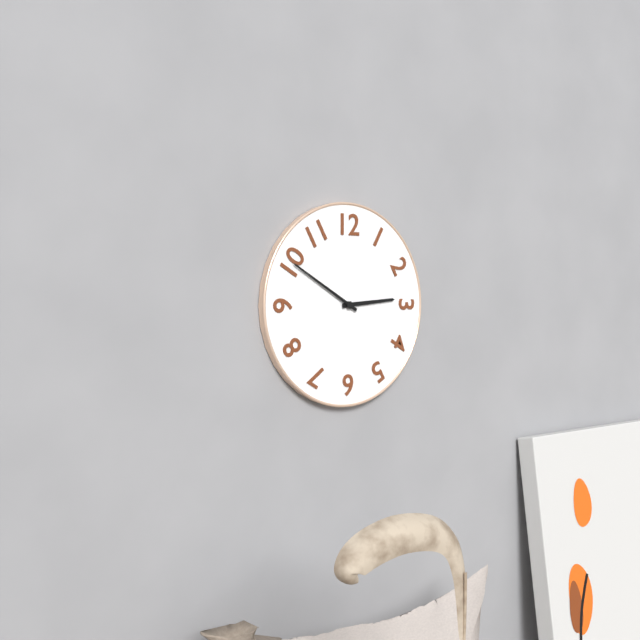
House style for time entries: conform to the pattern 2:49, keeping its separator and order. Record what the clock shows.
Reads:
2:50
